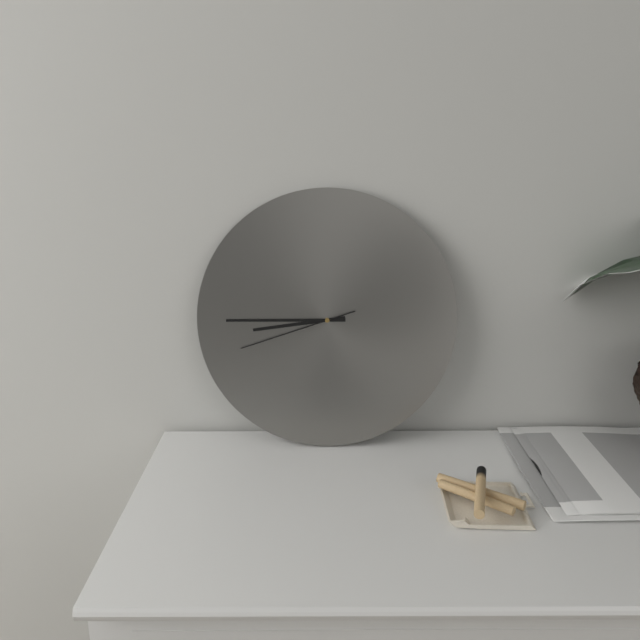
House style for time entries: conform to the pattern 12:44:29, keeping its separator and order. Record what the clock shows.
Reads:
8:45:42
